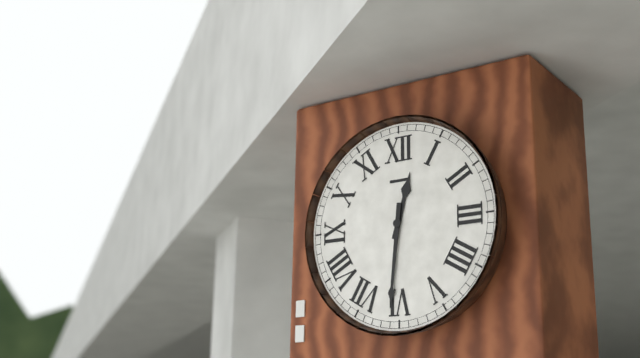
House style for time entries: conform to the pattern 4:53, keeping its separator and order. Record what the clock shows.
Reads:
12:31
